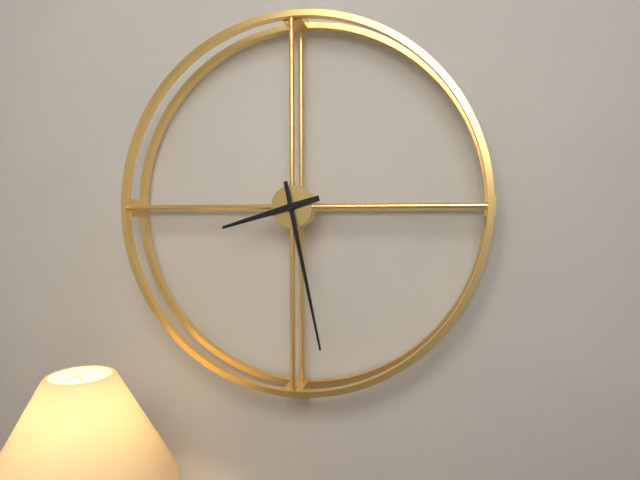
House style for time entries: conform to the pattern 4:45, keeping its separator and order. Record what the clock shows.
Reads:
8:28
